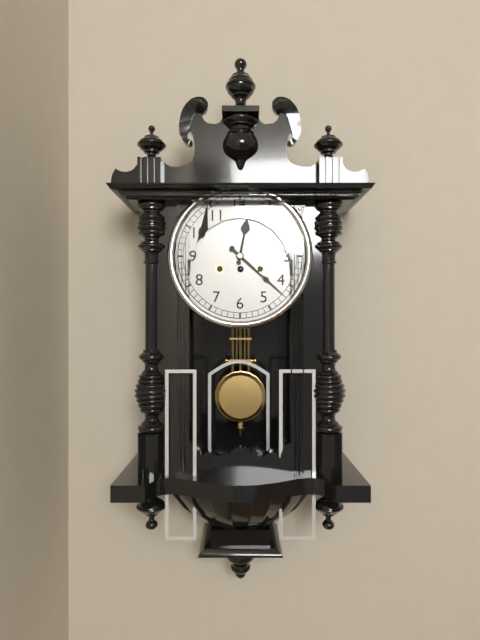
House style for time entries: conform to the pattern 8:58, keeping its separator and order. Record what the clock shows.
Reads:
12:22
